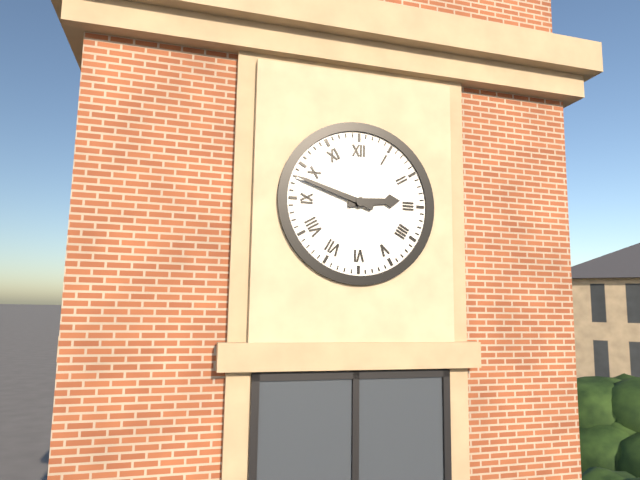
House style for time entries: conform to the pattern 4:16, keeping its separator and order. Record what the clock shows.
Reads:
2:48
